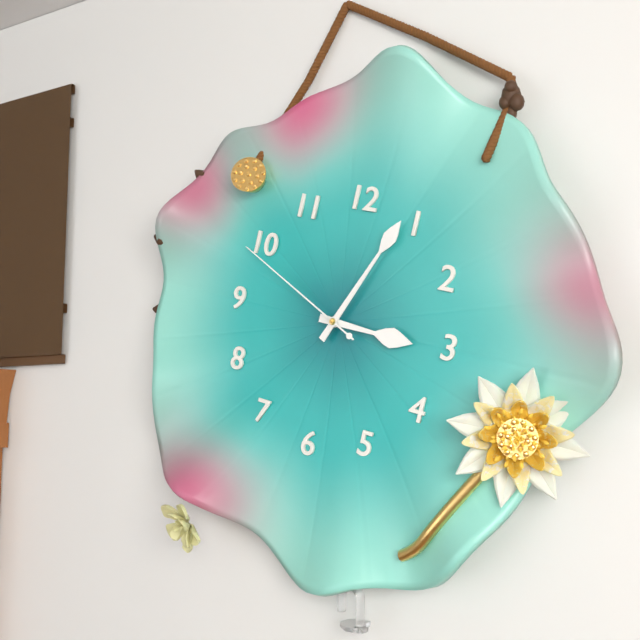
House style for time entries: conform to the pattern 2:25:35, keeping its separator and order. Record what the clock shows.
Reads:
3:04:49
